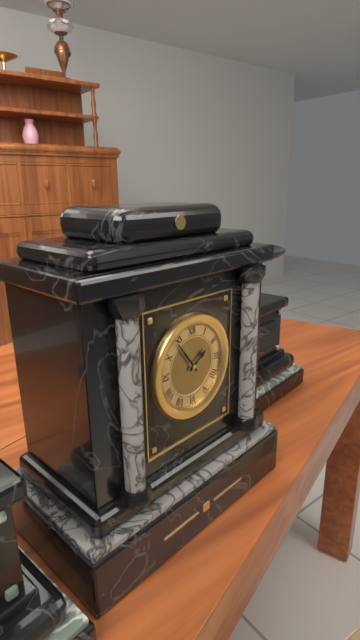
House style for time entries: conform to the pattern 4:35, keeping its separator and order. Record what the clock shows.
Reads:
1:54
